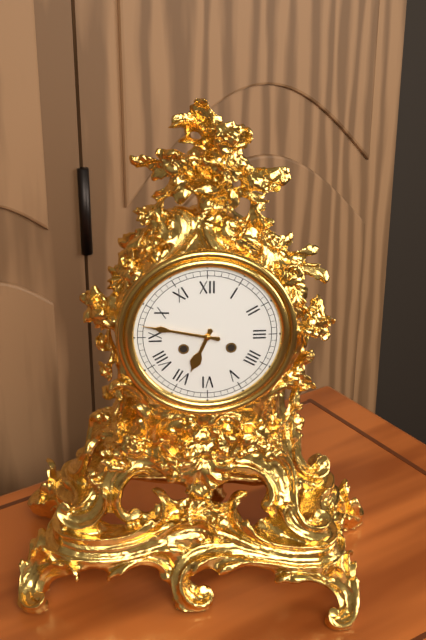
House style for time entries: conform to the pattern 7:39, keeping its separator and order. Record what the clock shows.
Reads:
6:47
